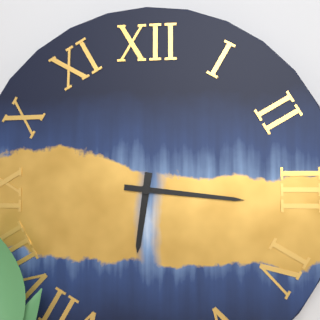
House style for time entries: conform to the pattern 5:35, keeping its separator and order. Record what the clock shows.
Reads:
6:16
